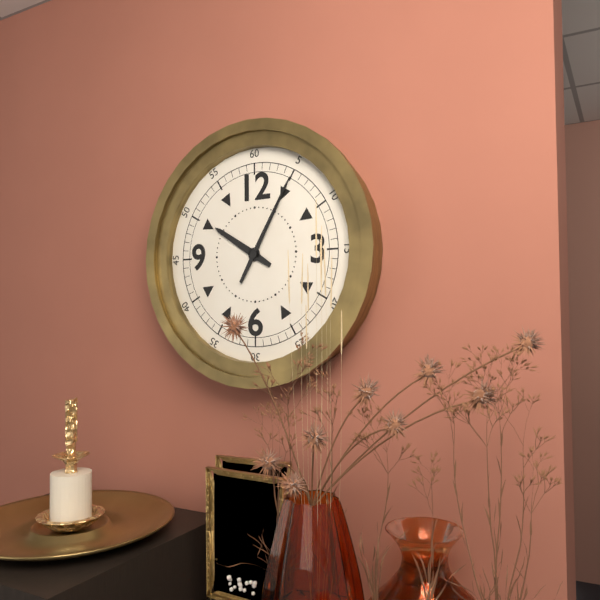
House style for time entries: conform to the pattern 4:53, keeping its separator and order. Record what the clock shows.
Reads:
10:05
